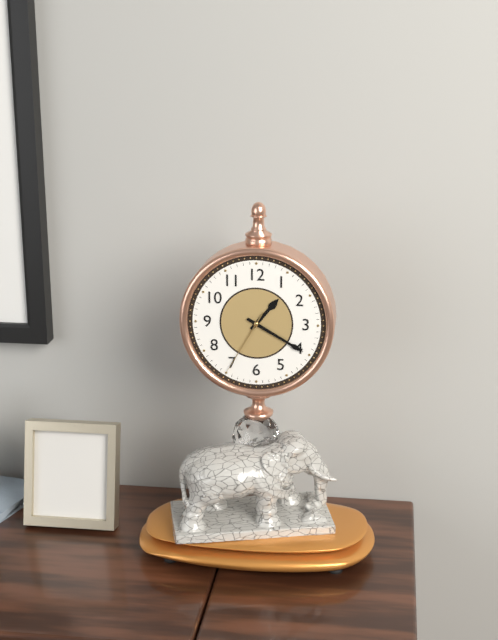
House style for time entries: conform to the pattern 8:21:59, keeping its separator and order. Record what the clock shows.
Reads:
1:20:35
